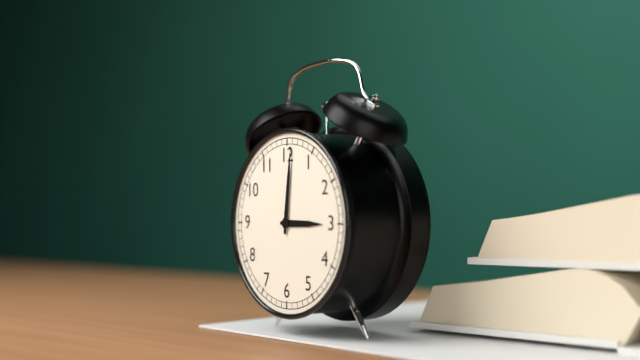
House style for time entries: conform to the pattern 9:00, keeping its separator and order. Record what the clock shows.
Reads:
3:01
